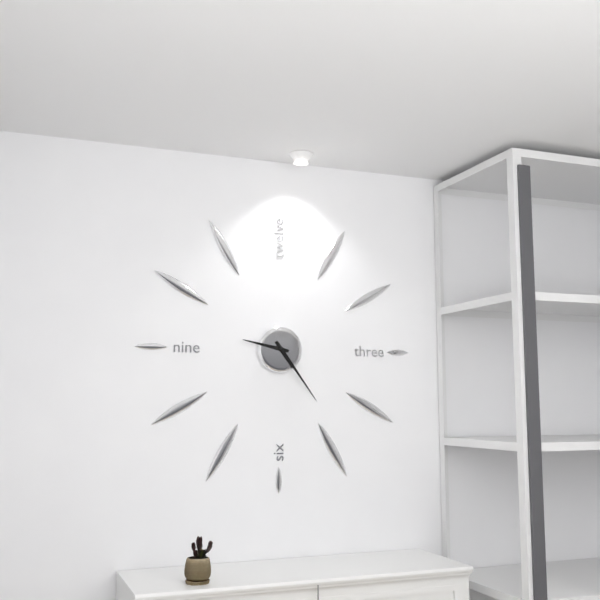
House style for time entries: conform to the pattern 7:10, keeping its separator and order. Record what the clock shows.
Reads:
9:24
